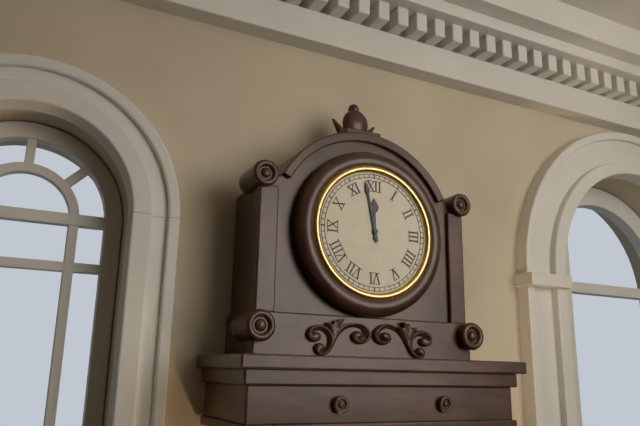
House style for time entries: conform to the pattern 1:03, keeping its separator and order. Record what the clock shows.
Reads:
11:58
